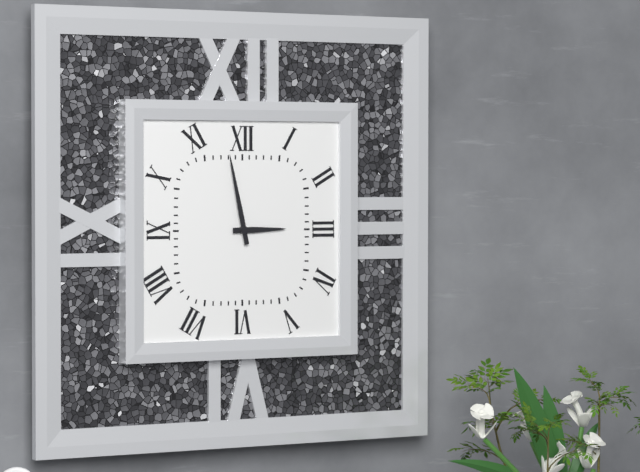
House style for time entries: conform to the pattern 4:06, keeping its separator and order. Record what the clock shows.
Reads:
2:58
